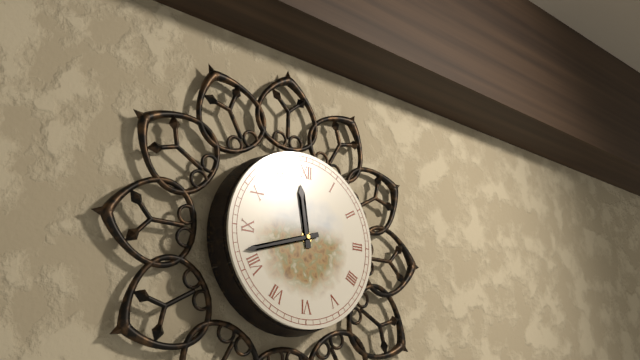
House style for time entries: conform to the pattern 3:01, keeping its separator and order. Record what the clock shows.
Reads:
11:42
